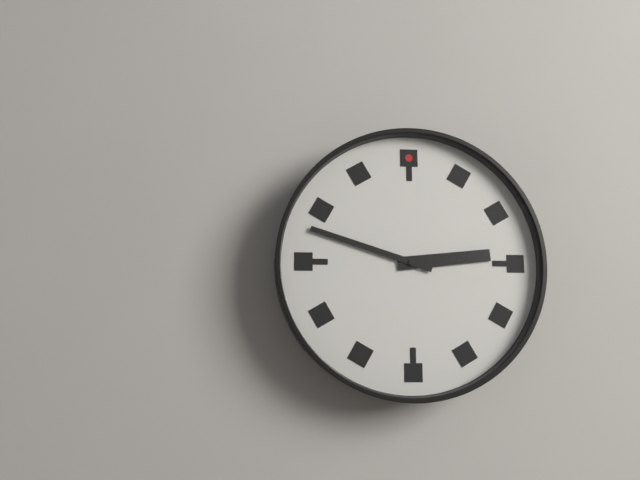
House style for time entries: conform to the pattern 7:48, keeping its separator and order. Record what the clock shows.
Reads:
2:48
